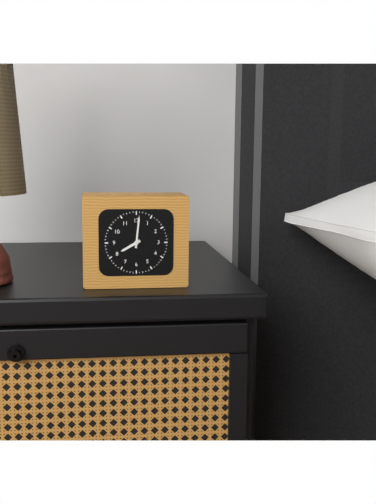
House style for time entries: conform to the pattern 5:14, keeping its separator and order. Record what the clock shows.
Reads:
8:01
